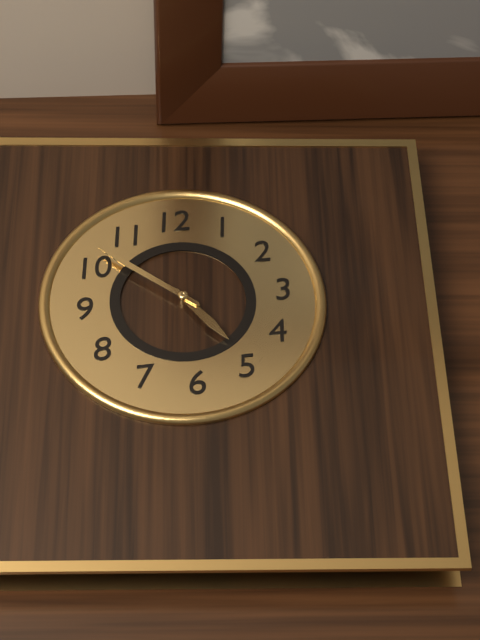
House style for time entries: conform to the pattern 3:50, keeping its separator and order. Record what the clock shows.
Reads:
4:52
